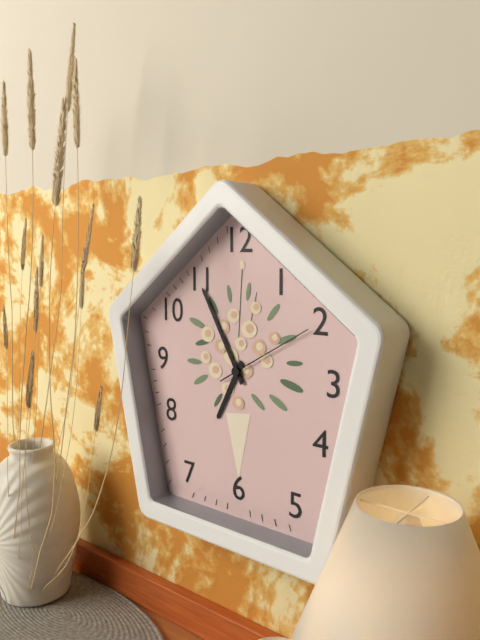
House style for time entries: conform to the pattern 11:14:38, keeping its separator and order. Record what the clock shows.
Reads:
6:55:10
